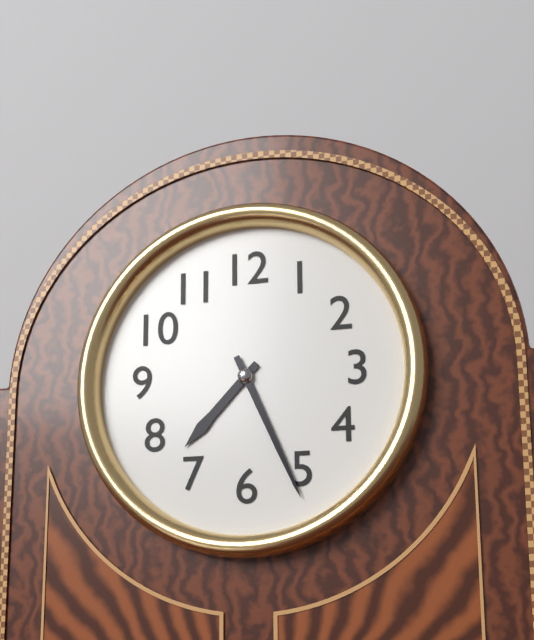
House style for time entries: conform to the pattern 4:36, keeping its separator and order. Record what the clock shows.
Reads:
7:26
